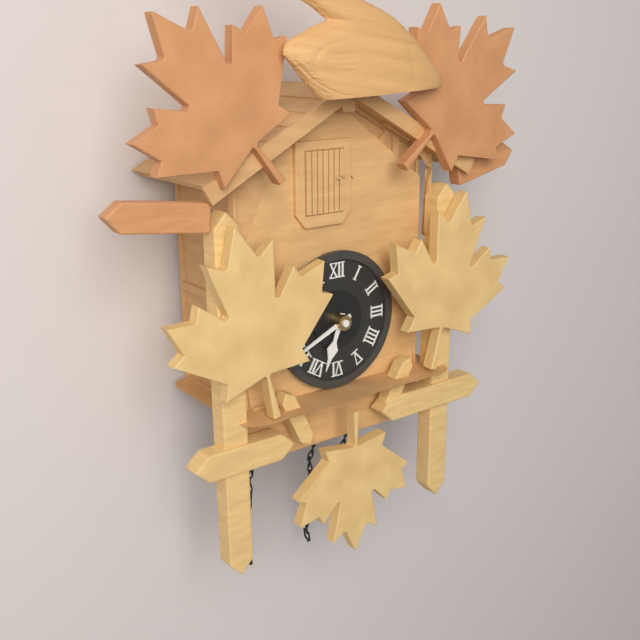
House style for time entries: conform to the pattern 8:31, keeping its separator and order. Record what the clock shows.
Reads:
6:41
